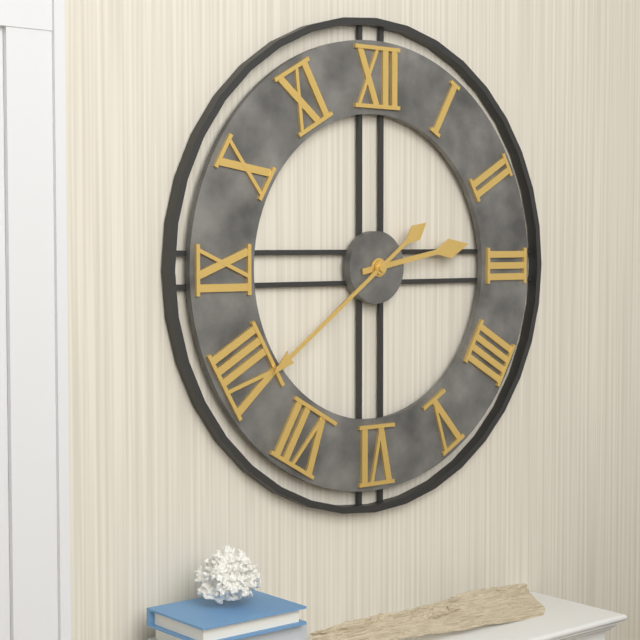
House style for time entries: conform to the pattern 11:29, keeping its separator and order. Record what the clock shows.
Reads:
2:39
